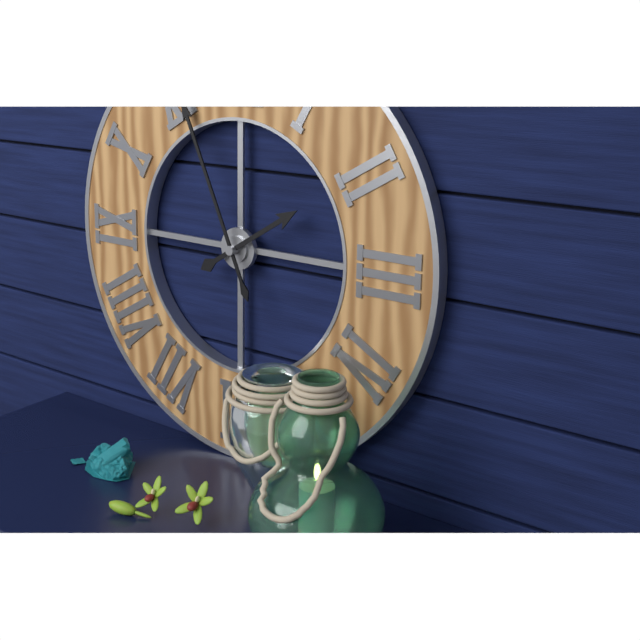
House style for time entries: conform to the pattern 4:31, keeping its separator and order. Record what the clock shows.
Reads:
1:56
